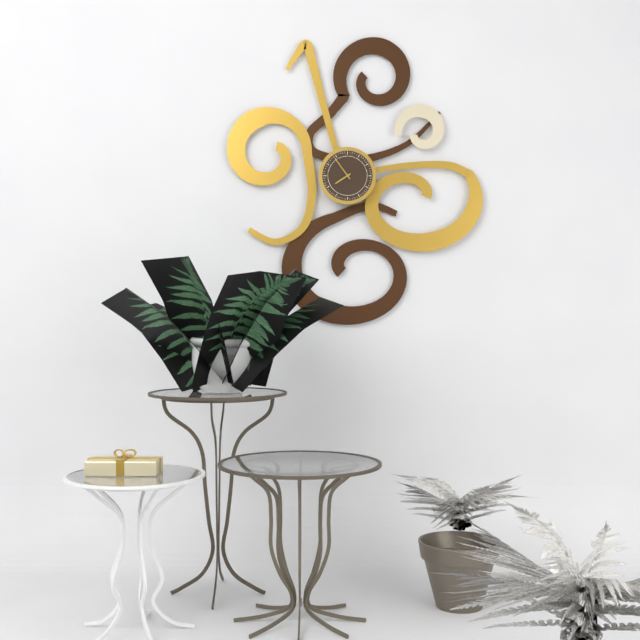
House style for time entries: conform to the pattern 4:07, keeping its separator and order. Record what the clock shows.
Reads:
7:54
